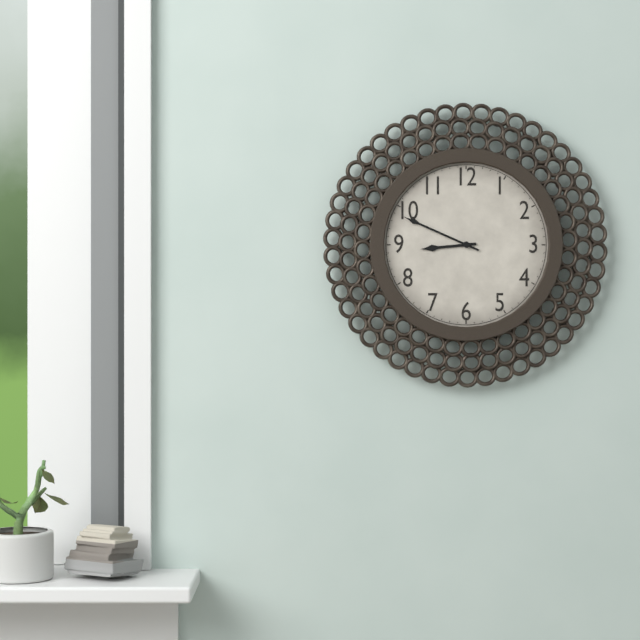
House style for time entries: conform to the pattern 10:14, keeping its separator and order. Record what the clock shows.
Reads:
8:49
